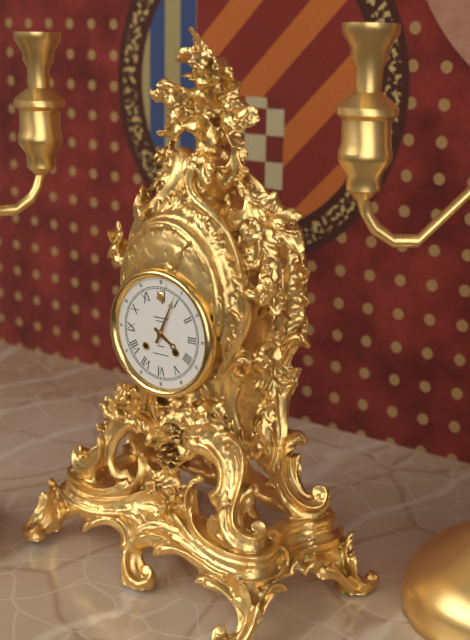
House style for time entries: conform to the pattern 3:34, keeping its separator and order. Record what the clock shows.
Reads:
4:04
